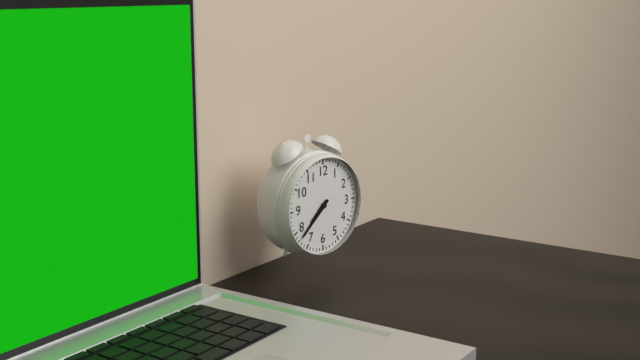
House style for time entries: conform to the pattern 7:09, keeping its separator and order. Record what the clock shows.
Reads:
7:38
